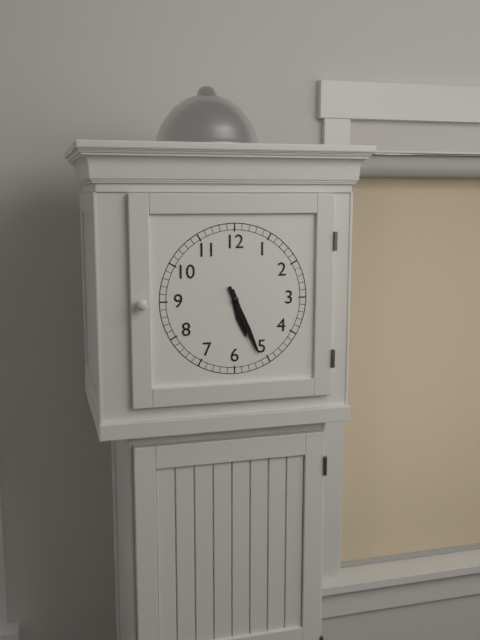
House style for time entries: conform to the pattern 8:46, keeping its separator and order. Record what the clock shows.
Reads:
5:26
